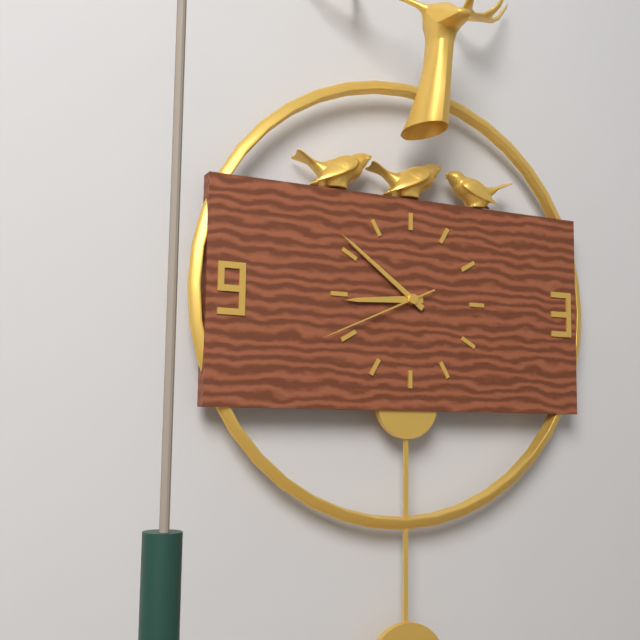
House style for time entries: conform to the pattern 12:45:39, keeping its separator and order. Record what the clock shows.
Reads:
8:51:41
